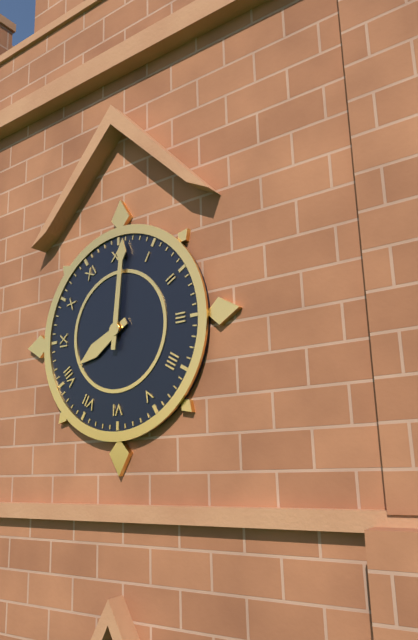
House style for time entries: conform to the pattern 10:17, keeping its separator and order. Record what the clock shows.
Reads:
8:01
